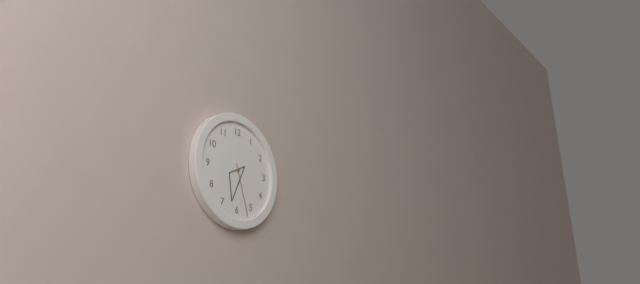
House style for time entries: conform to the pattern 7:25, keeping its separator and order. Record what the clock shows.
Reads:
6:27
